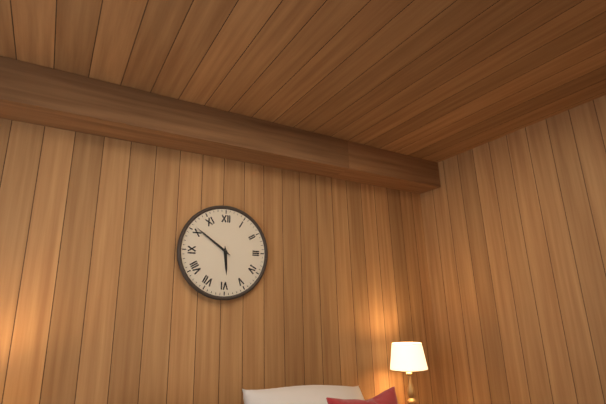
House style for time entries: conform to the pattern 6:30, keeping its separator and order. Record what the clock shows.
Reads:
5:51
